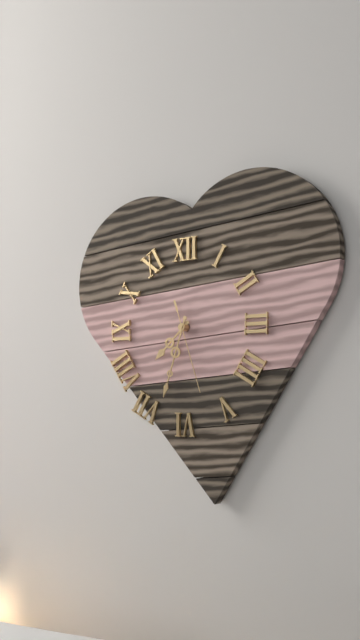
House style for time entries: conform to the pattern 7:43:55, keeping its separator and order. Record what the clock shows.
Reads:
7:33:27
